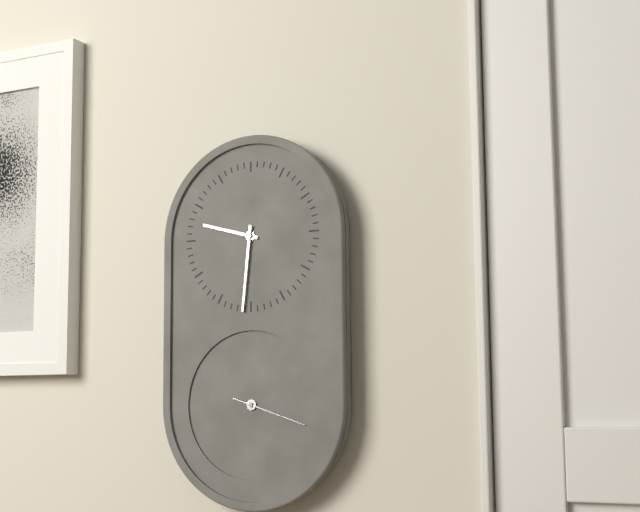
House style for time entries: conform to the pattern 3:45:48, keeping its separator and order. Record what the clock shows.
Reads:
9:31:18
